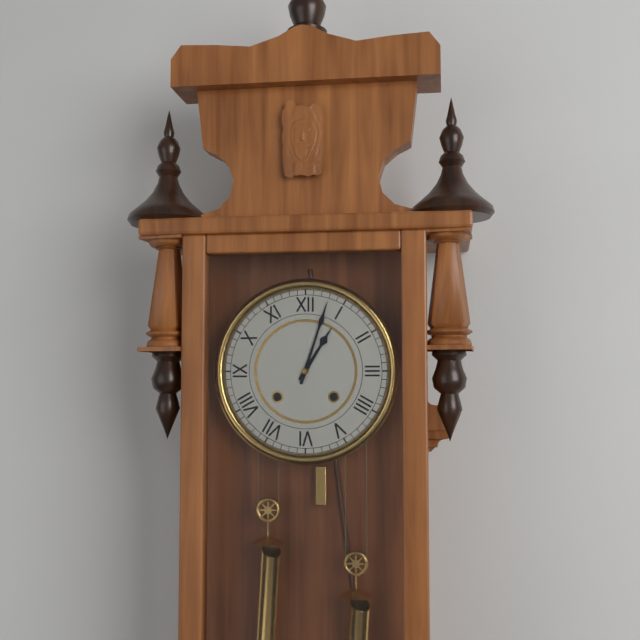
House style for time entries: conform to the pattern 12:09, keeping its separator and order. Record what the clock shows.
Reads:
1:03
